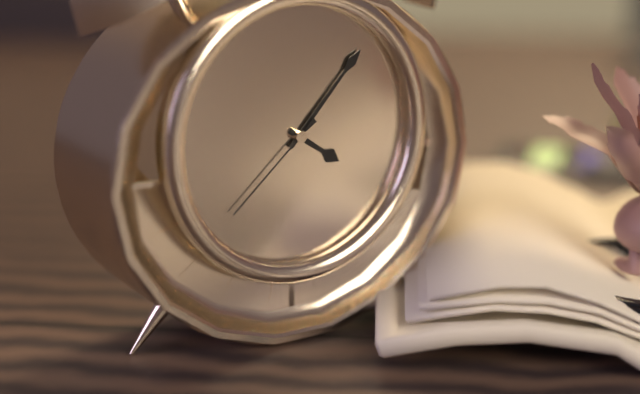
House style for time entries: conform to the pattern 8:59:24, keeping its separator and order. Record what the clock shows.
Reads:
4:07:38
